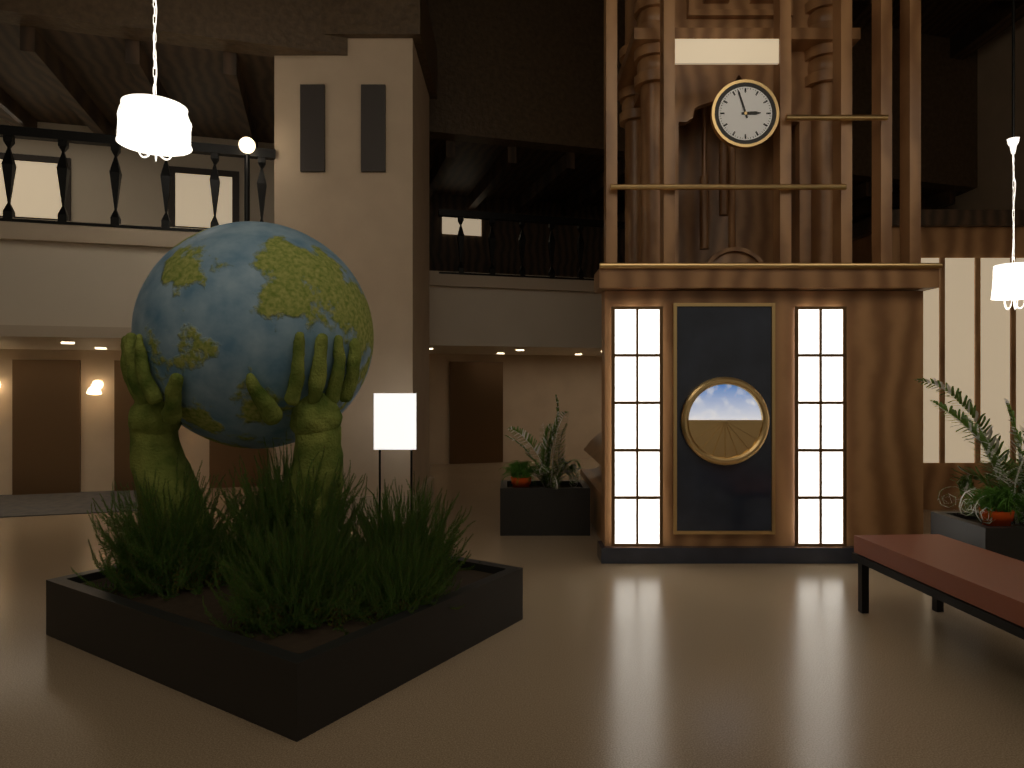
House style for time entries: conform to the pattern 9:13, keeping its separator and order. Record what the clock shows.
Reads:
2:57
